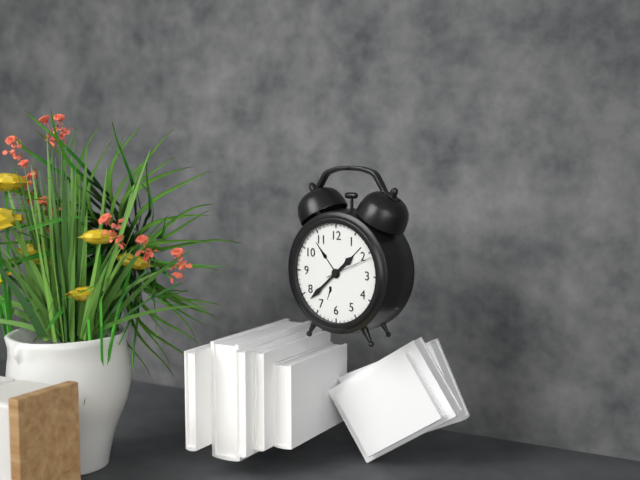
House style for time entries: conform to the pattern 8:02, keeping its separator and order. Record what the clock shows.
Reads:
1:38
